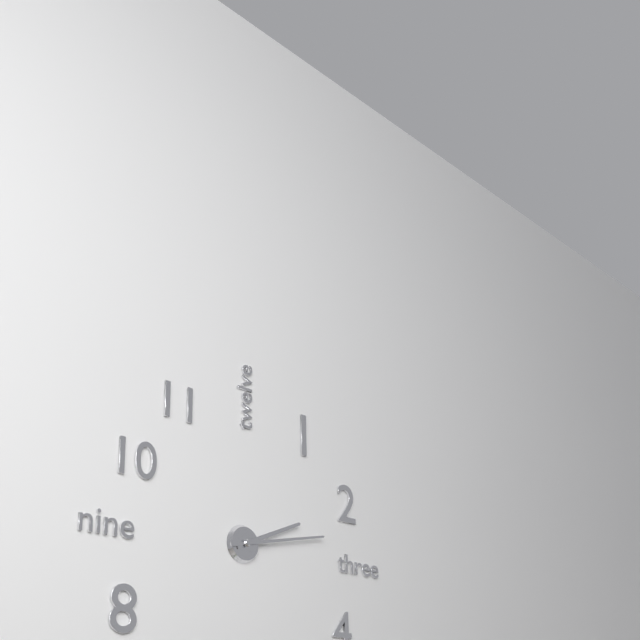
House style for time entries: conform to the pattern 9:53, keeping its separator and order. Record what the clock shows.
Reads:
2:13
